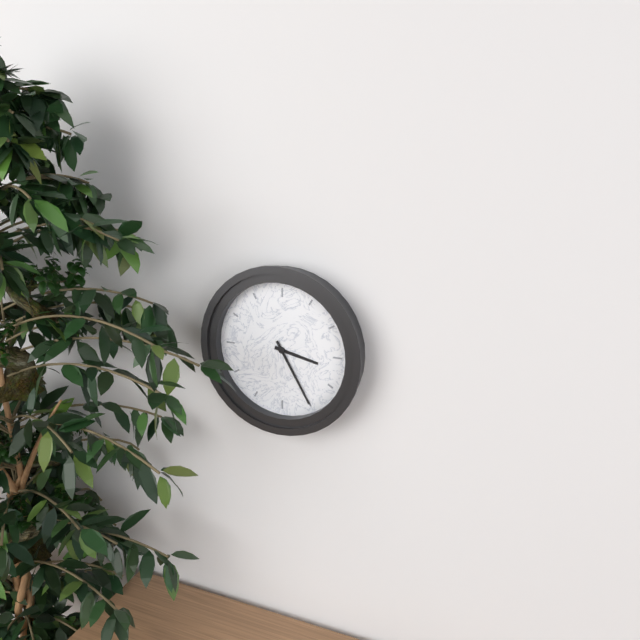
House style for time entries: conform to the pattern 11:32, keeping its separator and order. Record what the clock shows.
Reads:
3:25
